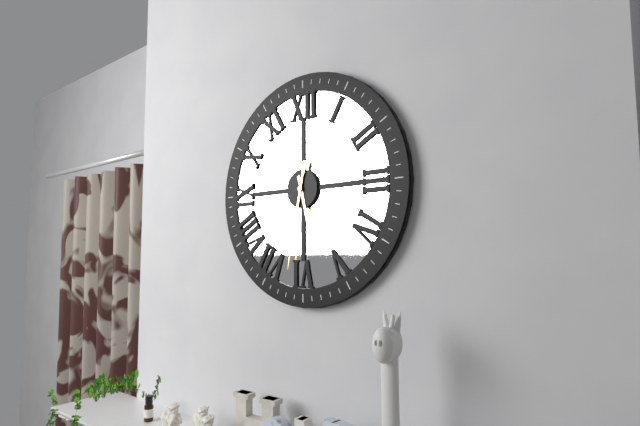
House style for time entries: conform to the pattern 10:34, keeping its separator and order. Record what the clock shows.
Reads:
5:32
